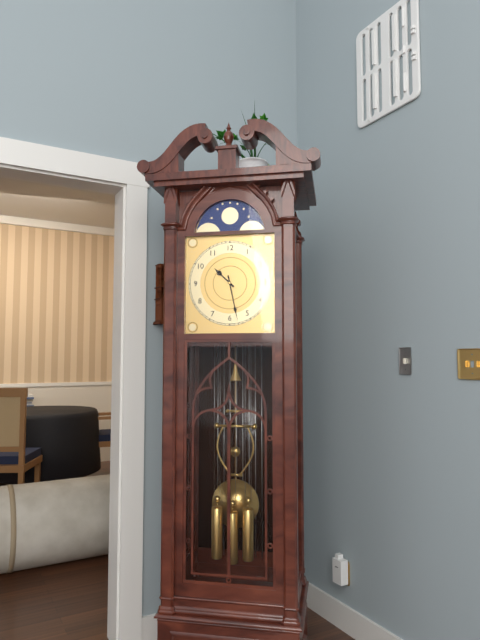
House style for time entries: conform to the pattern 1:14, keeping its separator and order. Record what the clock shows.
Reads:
10:28
